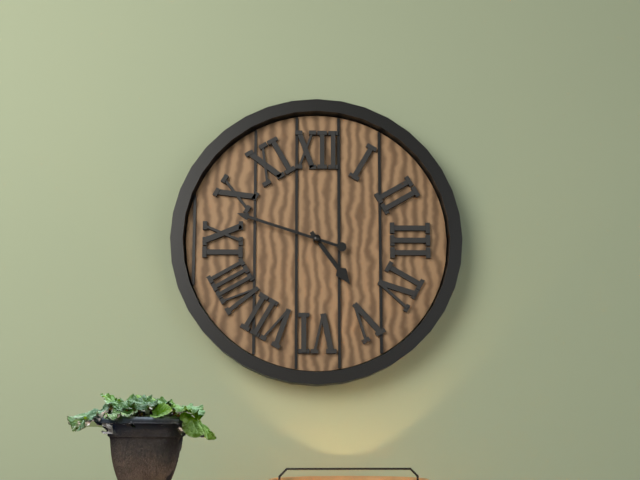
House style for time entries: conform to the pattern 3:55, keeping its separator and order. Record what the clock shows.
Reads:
4:48
